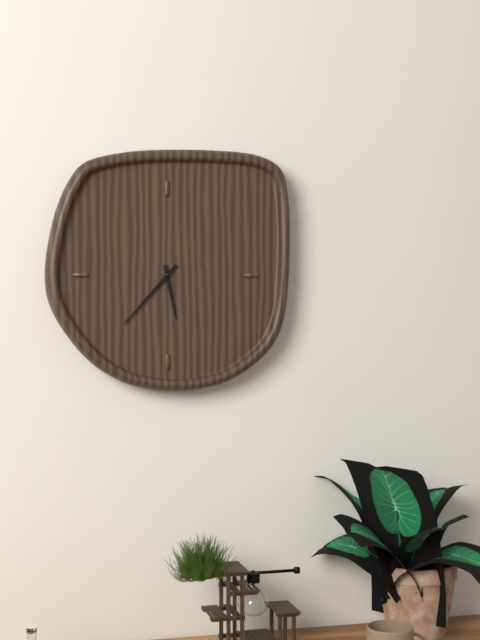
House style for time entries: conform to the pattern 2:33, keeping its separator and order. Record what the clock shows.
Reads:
5:37
